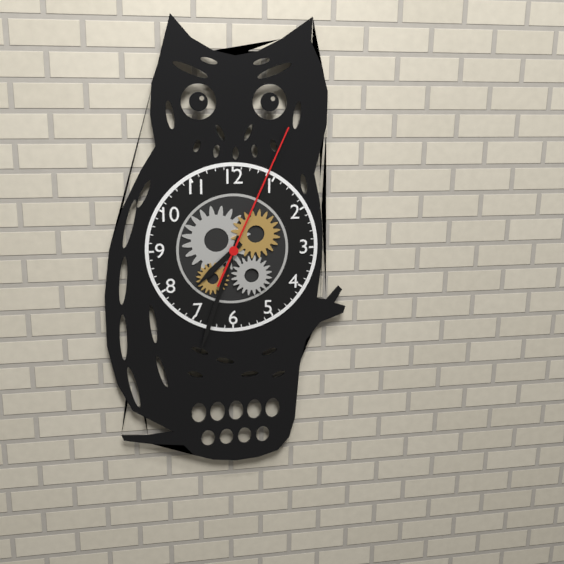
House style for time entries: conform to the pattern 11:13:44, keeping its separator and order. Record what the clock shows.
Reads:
7:33:04
